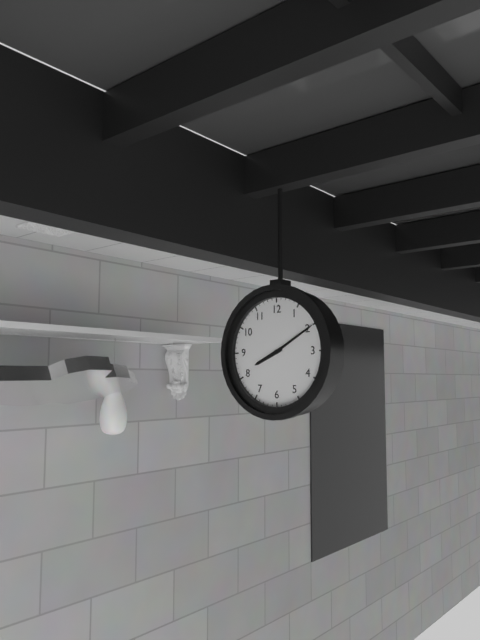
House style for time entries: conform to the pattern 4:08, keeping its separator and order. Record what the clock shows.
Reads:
8:10
